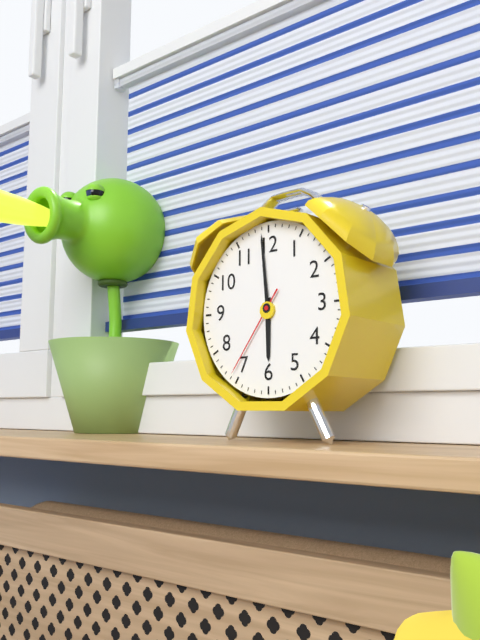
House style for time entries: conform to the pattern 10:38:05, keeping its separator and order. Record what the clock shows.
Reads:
5:59:36
